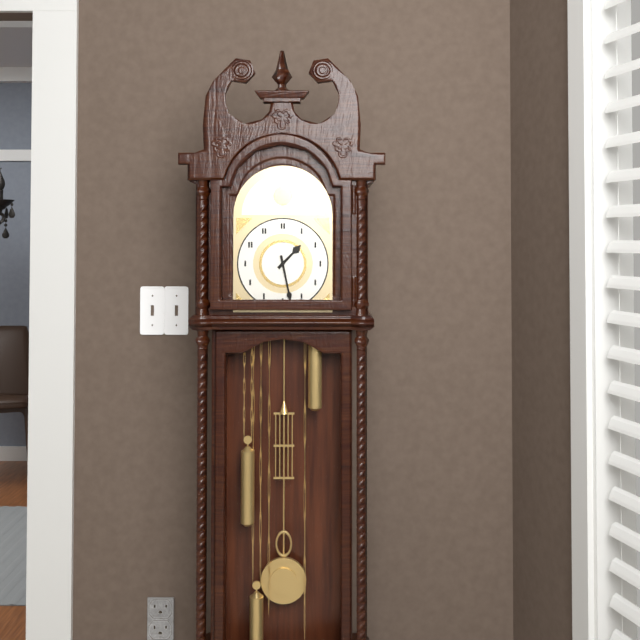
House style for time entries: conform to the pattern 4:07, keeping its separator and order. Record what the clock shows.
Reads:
1:28
